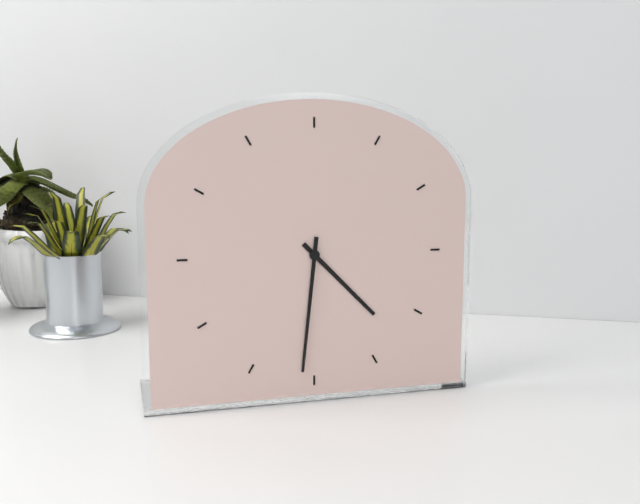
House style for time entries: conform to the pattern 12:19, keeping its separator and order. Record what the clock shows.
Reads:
4:31
